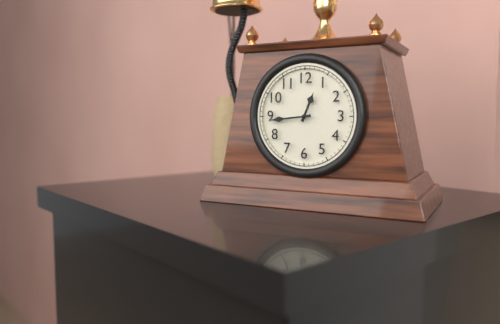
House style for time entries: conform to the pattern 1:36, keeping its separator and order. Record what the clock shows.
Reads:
12:44
